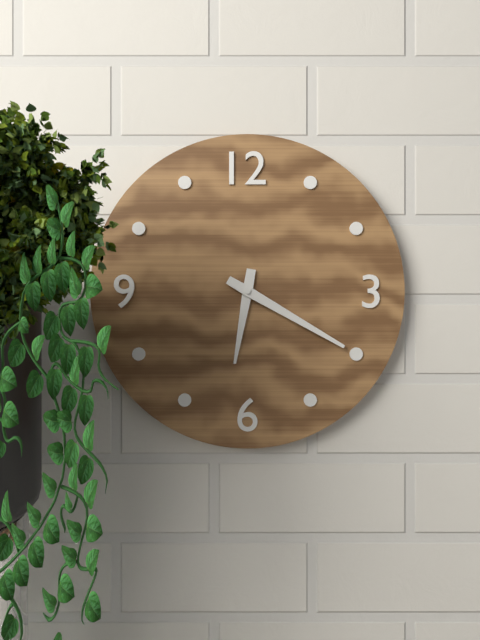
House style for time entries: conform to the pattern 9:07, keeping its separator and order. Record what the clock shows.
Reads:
6:20
